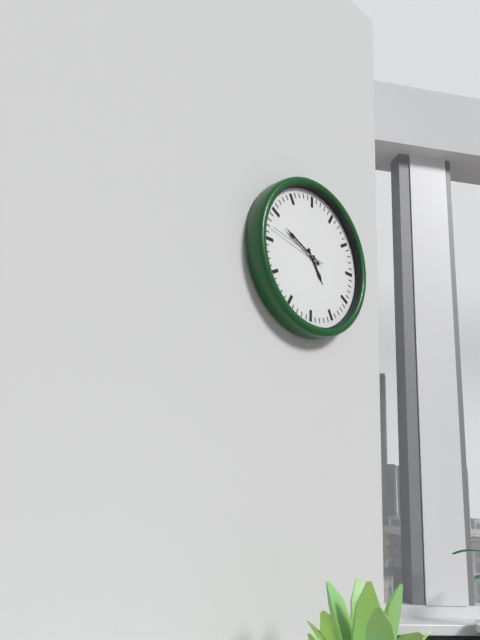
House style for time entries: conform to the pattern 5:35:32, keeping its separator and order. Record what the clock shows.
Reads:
4:49:47
